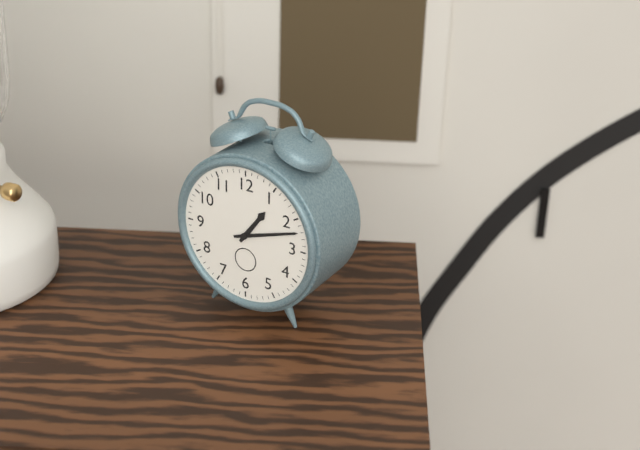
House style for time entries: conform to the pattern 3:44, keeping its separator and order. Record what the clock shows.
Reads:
1:12
